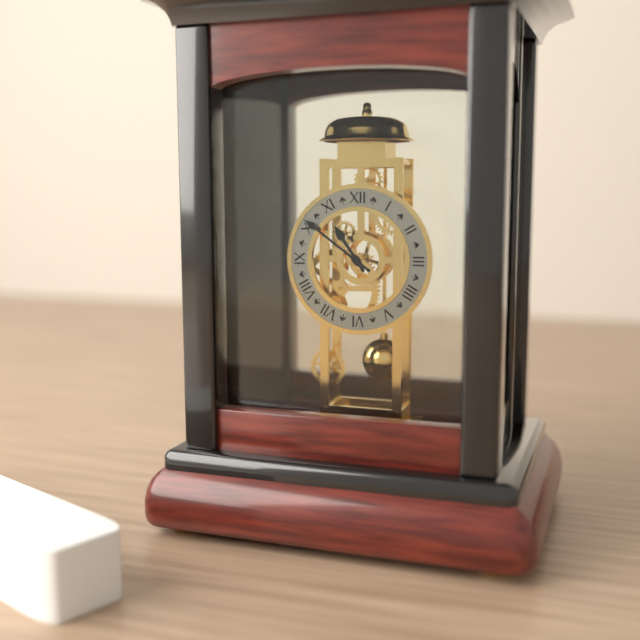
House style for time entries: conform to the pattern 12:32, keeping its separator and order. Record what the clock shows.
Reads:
10:51
